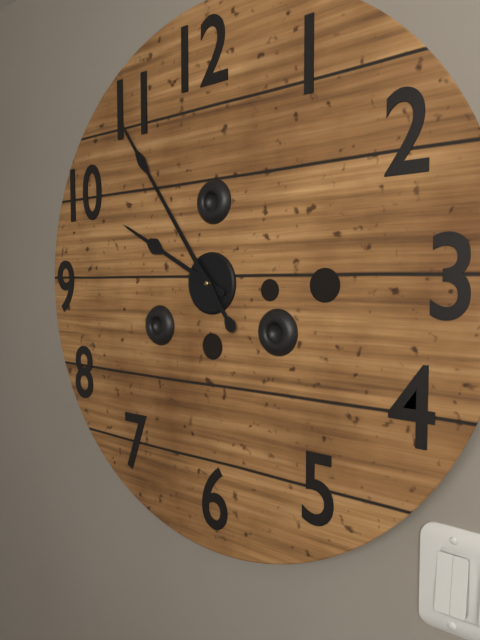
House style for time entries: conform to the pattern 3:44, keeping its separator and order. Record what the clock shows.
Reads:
9:54
